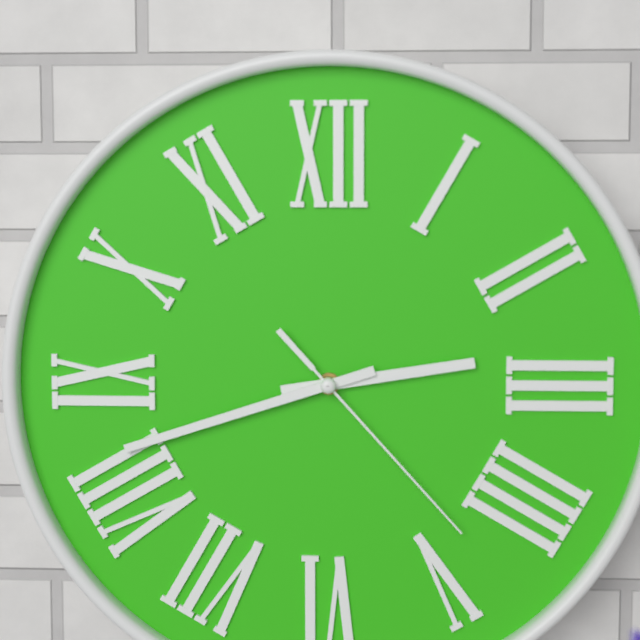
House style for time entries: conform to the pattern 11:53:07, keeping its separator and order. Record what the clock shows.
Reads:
2:42:23
